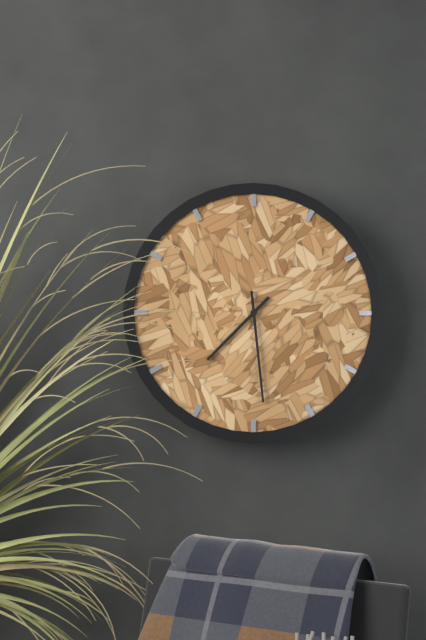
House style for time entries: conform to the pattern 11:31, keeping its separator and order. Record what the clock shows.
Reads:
7:29
